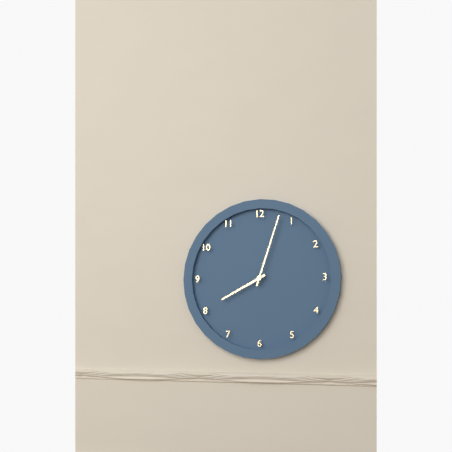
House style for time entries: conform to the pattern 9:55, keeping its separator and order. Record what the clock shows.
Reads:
8:03
